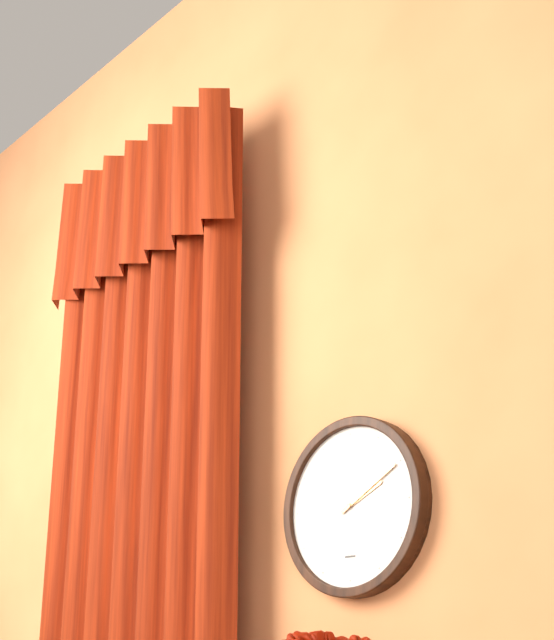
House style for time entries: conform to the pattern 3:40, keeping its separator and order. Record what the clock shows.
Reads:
2:10
